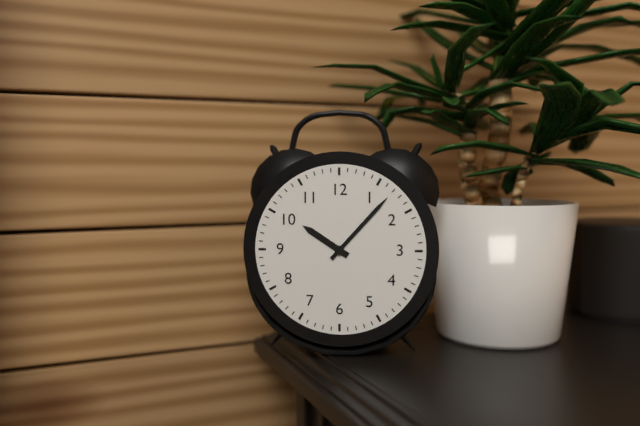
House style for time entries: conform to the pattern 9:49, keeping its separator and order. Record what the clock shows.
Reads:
10:07
